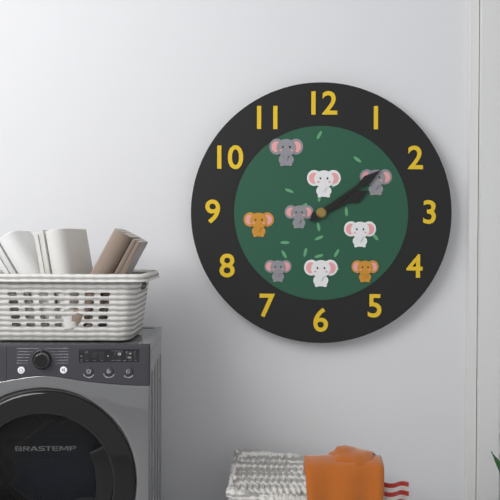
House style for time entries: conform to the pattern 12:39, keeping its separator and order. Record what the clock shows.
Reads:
2:09
